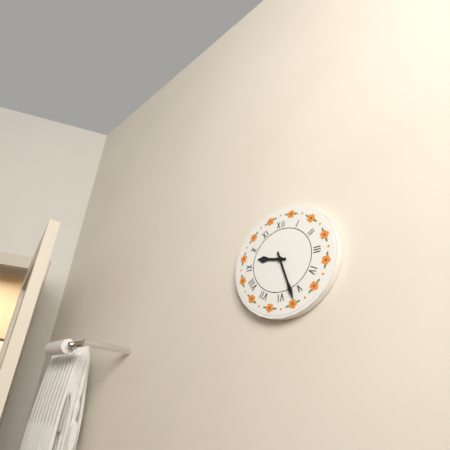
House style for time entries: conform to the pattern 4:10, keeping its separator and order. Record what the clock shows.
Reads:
9:27
